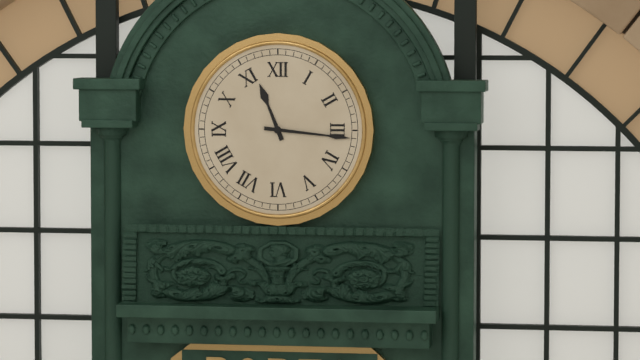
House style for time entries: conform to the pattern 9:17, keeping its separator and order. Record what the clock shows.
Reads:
11:16
